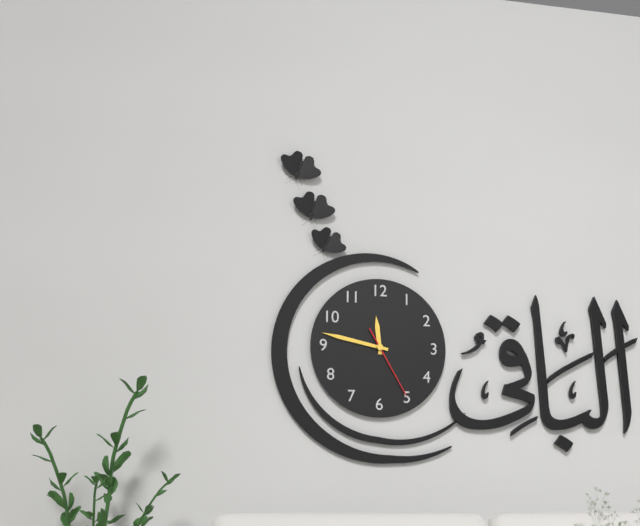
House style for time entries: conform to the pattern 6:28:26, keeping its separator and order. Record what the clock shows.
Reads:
11:47:25
